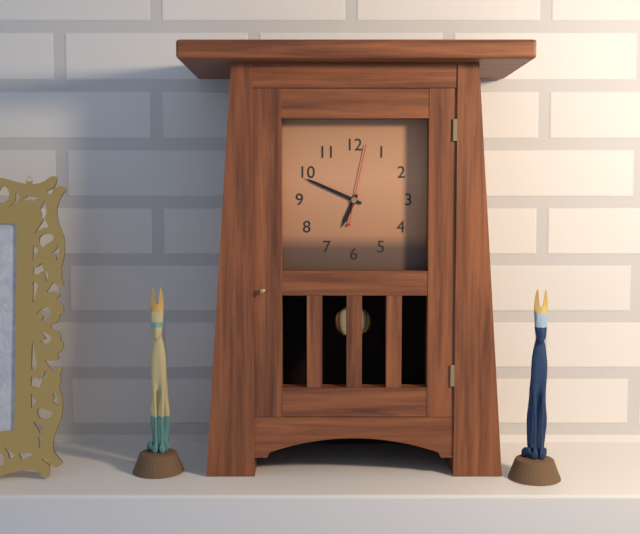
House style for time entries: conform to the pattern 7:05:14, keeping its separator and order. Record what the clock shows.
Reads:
6:49:02
